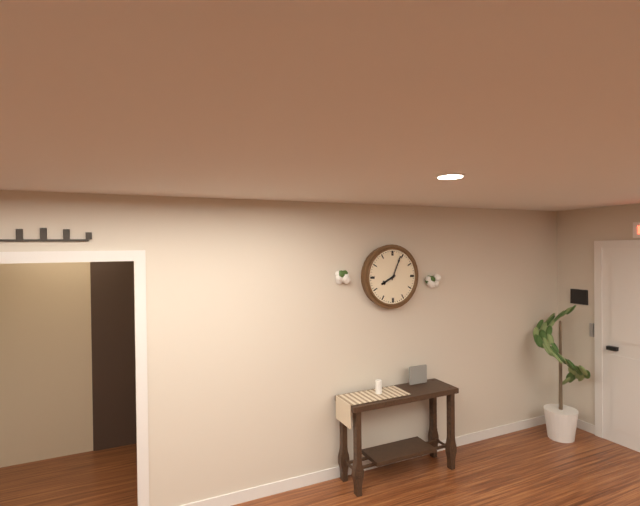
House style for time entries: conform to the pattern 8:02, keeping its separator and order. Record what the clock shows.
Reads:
8:04
